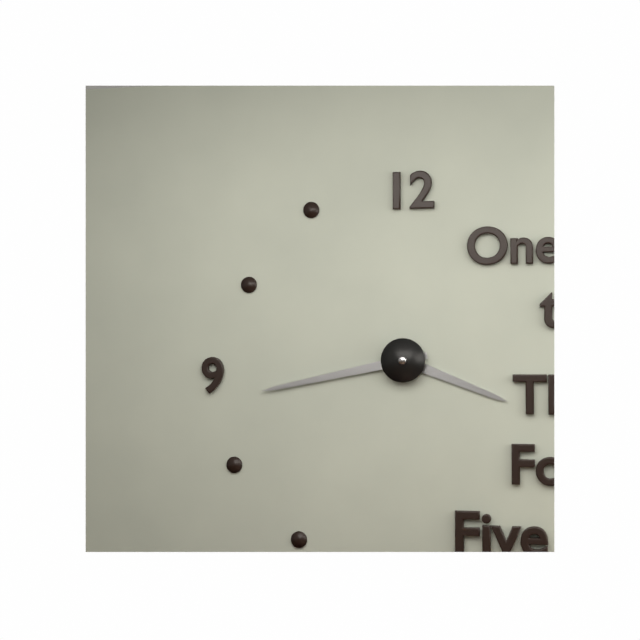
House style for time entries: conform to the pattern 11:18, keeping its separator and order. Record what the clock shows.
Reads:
3:43
